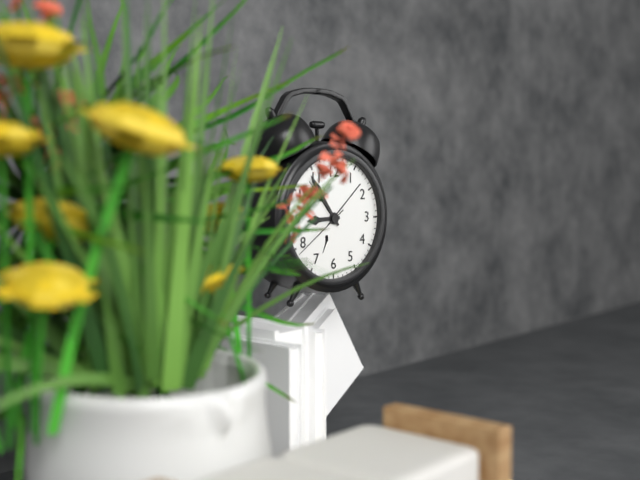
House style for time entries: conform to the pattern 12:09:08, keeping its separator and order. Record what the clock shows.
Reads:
8:54:39
